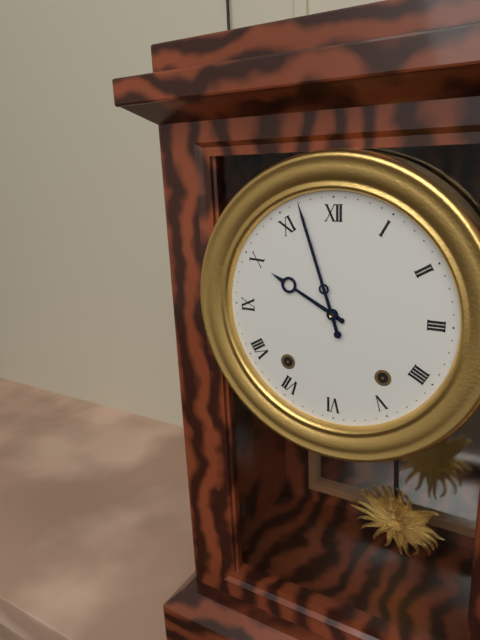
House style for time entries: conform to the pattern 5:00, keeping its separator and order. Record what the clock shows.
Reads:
9:57
